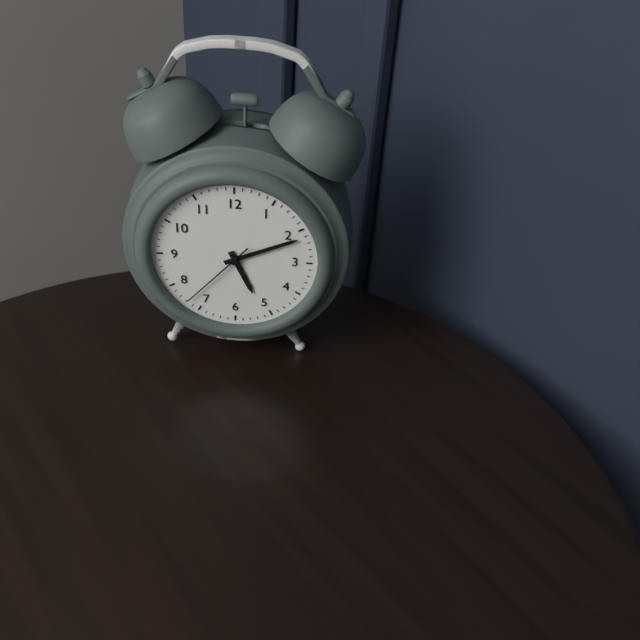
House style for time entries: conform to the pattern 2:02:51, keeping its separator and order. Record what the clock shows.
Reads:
5:11:37
